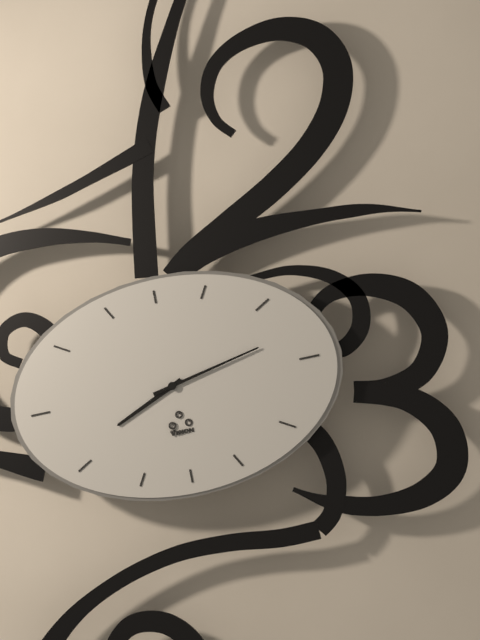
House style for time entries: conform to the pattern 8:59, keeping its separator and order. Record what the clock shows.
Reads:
8:13
